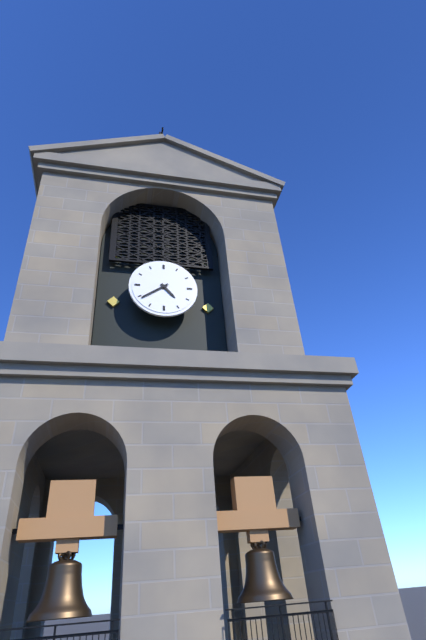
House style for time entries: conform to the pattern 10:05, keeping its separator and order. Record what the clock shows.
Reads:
4:39
